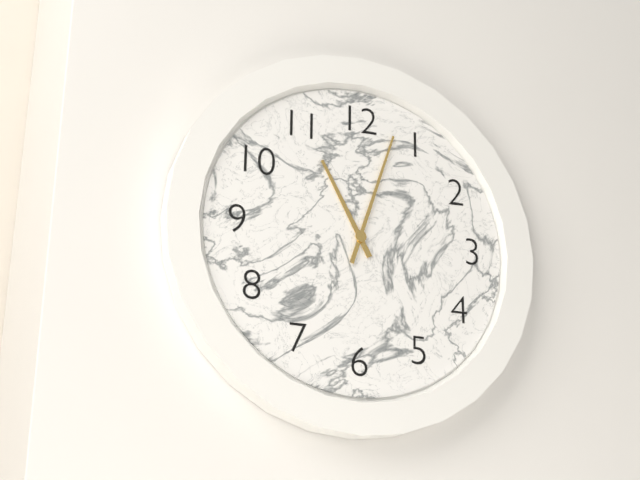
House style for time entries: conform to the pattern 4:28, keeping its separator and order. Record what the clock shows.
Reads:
11:03
